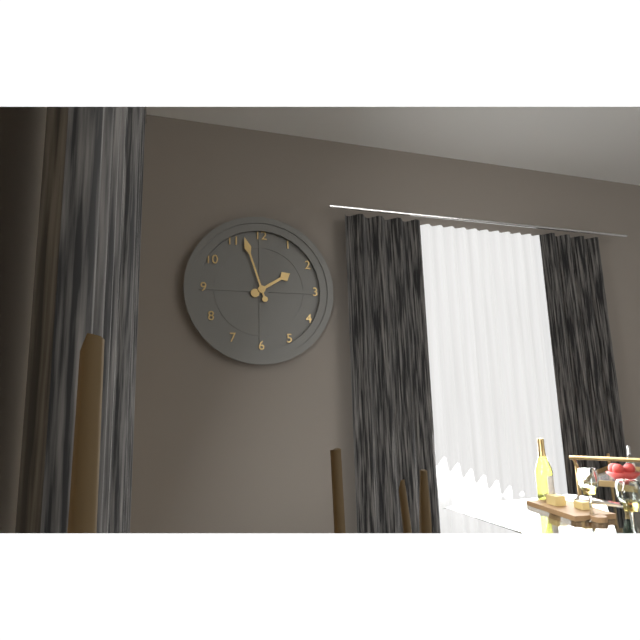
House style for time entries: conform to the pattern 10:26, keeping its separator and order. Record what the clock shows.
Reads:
1:57
